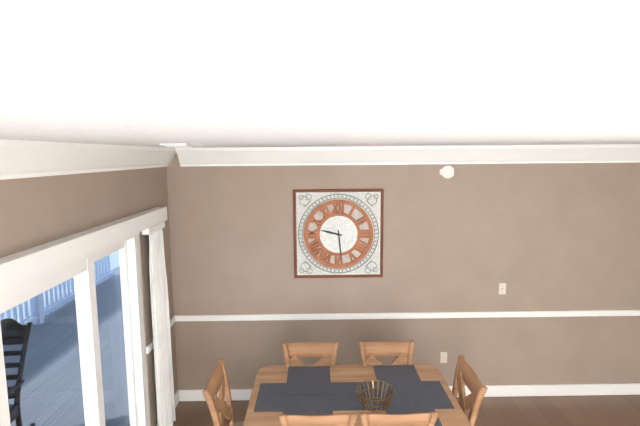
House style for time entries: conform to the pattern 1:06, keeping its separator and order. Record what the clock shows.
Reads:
9:29
